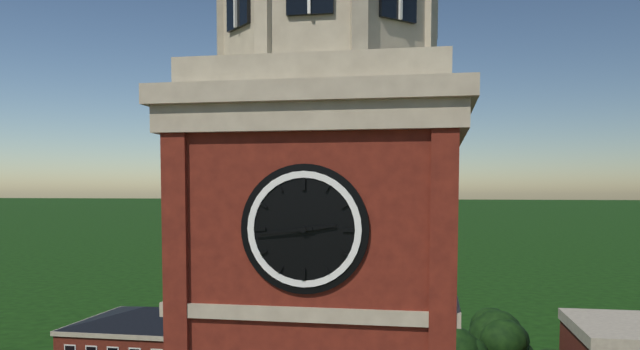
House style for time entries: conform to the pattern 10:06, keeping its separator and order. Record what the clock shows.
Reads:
2:44
